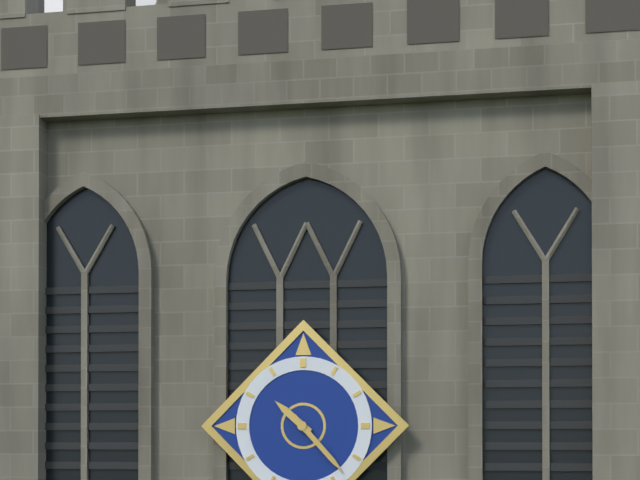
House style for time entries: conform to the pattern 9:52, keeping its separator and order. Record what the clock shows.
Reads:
10:23
